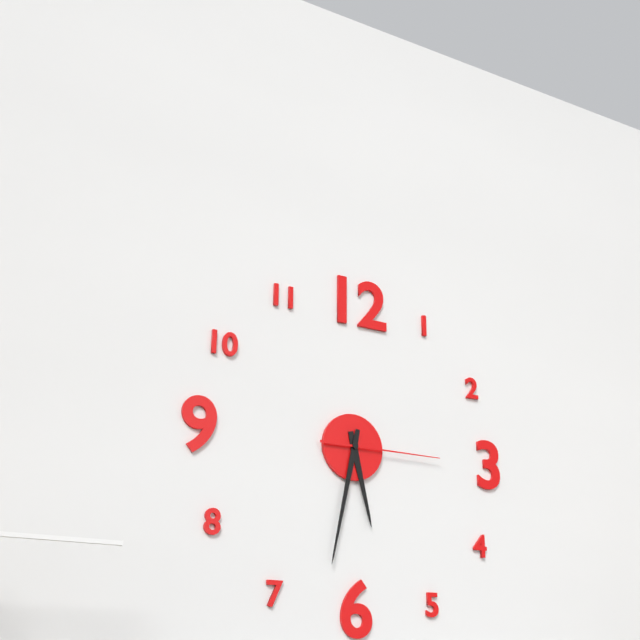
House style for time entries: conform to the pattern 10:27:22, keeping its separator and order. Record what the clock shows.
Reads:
5:32:15
